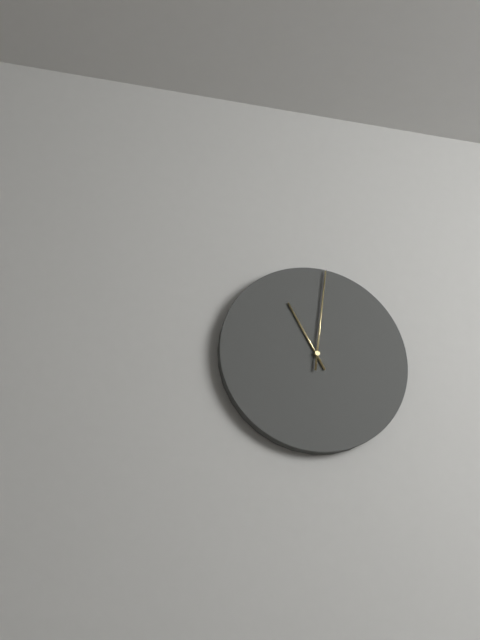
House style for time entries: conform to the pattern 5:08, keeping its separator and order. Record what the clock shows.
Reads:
11:01
